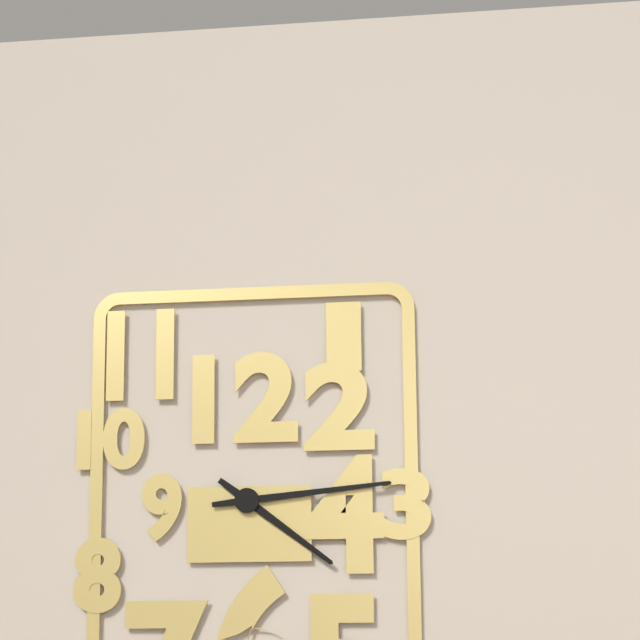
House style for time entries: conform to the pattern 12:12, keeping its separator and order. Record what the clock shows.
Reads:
4:14
